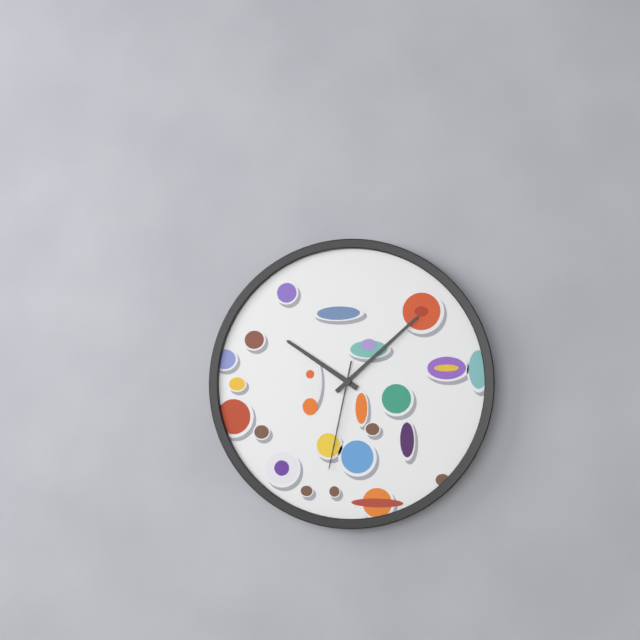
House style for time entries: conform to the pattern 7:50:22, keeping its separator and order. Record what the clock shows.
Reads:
10:08:32
